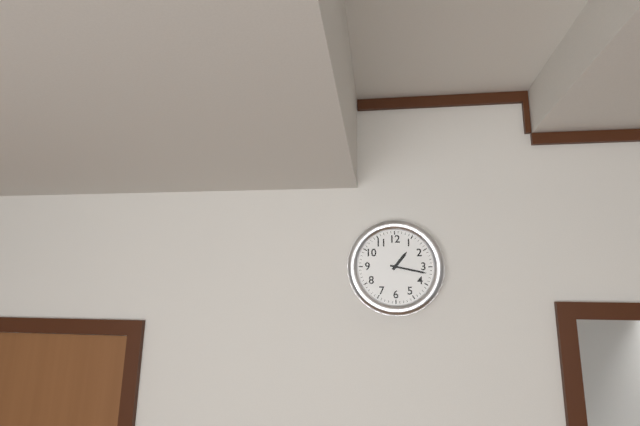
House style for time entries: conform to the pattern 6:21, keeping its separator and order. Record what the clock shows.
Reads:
1:17
